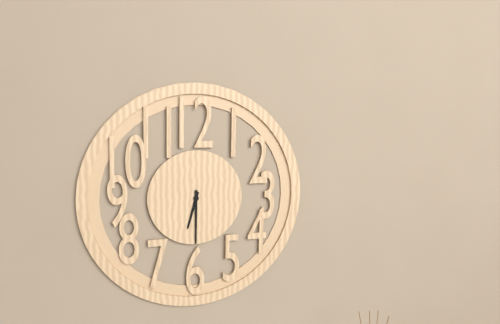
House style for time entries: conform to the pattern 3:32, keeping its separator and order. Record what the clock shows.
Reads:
6:30
